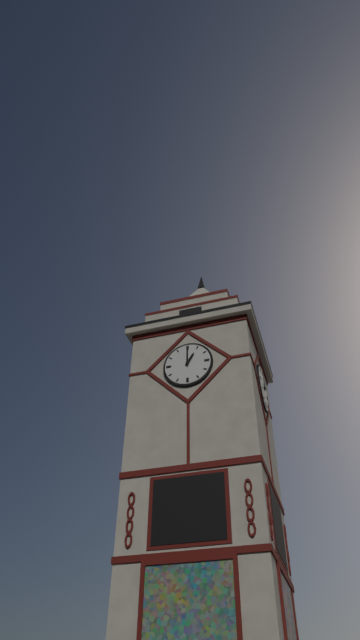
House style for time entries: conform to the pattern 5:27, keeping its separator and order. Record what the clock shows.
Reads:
1:00
